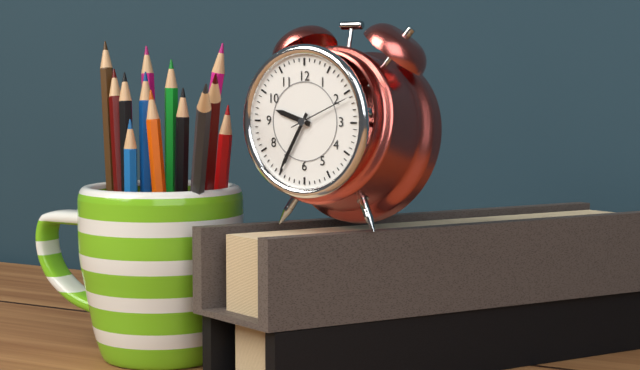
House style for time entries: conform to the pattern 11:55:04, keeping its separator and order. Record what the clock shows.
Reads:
9:35:11
